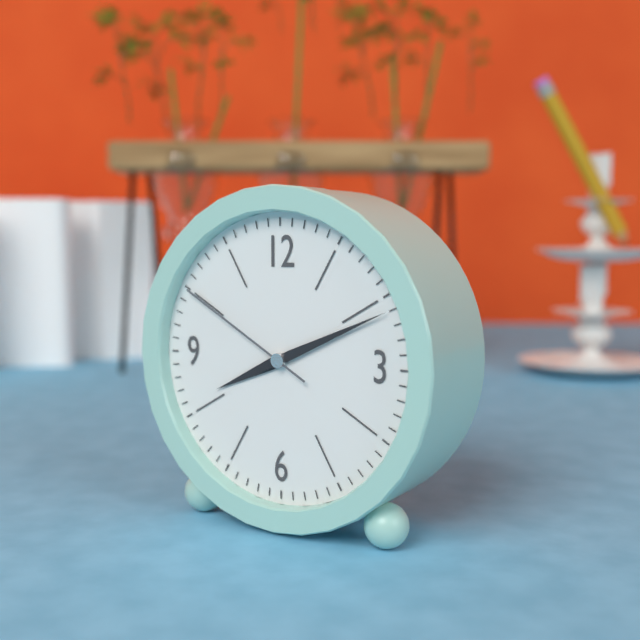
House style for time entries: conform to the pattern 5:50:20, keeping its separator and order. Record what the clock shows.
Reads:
8:11:50
